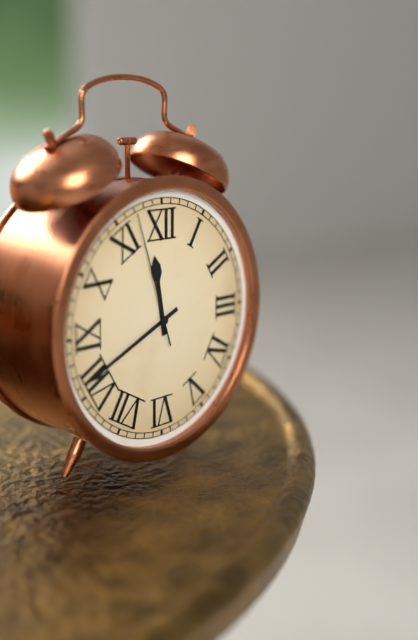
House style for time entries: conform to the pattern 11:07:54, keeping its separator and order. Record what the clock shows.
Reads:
11:41:57
